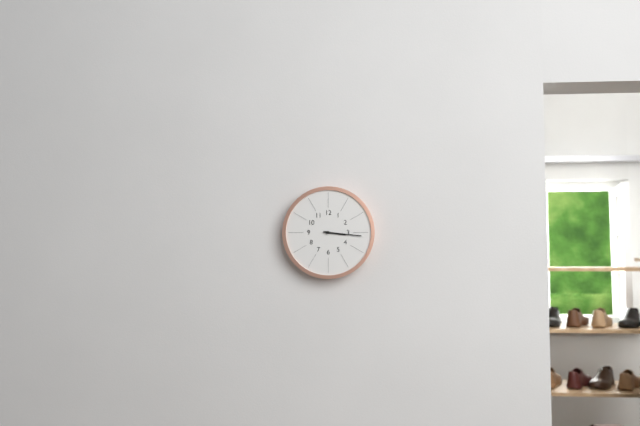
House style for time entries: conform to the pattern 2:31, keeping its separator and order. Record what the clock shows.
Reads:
3:16
